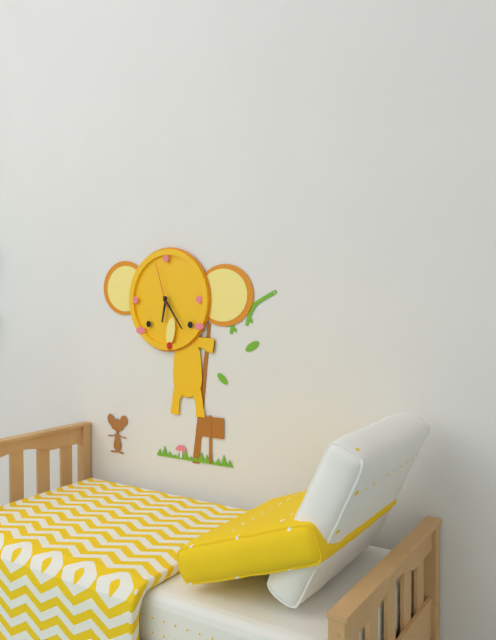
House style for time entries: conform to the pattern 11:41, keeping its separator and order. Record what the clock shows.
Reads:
6:24
